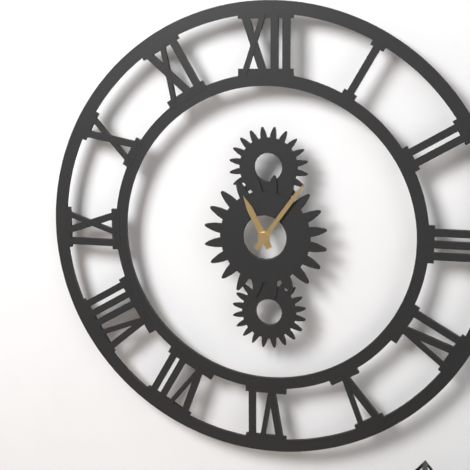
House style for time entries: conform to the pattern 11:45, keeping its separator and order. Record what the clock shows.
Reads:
11:06
